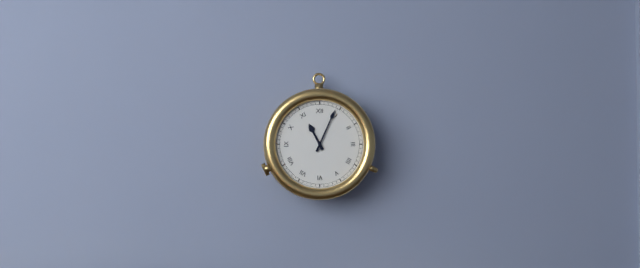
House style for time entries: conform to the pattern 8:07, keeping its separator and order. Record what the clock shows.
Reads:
11:04
